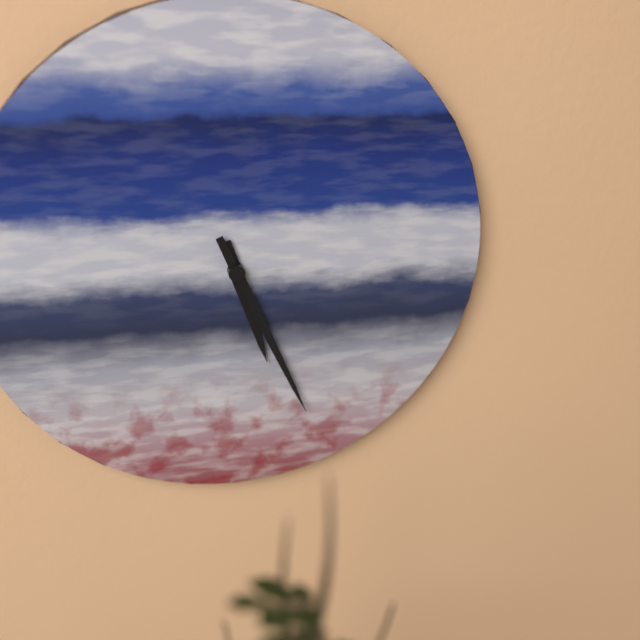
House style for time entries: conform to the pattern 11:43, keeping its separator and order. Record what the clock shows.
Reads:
5:26
